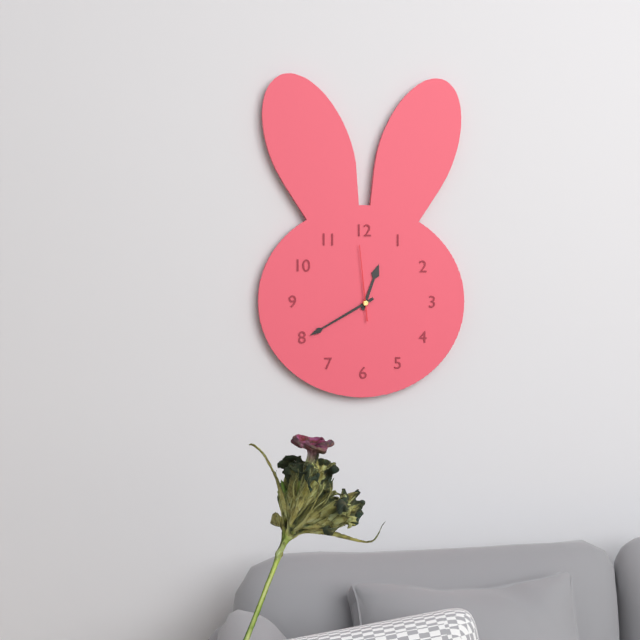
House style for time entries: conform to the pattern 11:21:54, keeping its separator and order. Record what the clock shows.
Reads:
12:40:59
